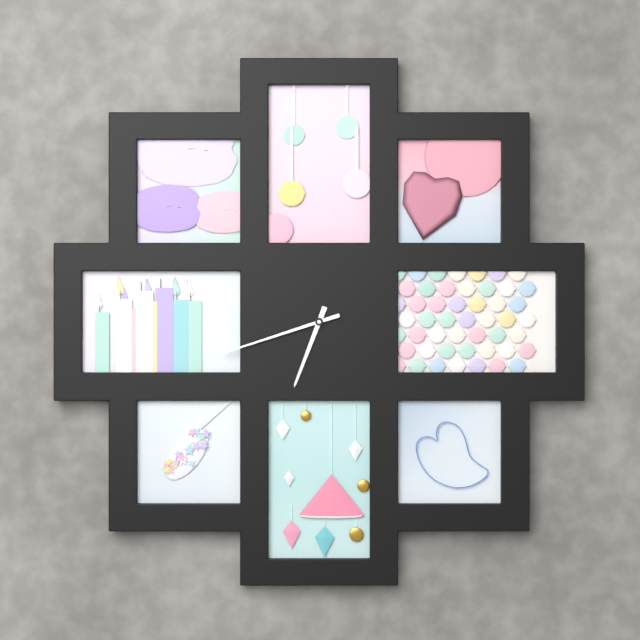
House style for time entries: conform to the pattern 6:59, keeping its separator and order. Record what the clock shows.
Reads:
6:42
